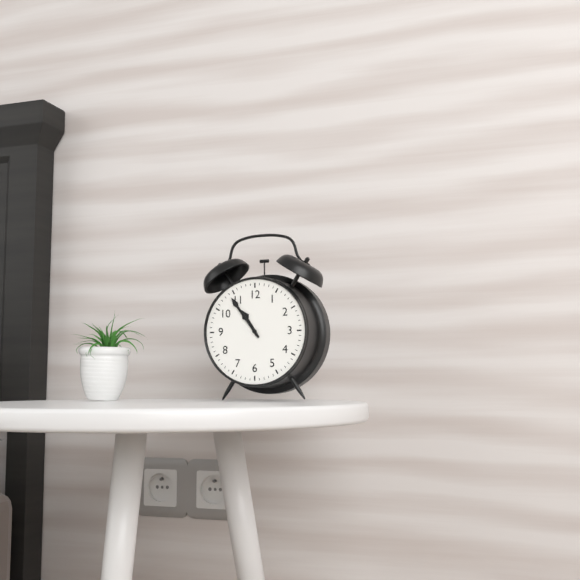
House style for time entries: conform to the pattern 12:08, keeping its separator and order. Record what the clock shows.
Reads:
10:54
